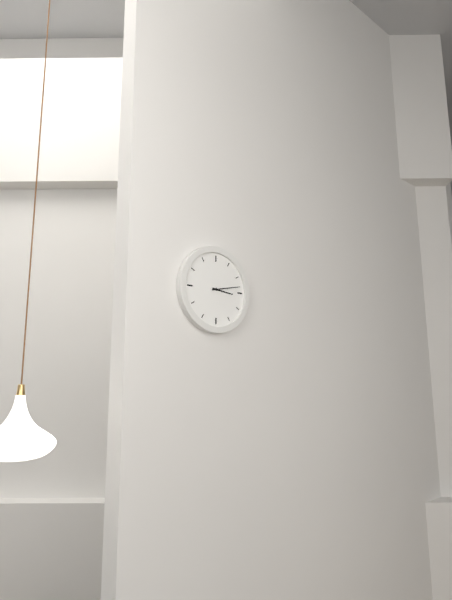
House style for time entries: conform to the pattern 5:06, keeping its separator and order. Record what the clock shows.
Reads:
3:13
